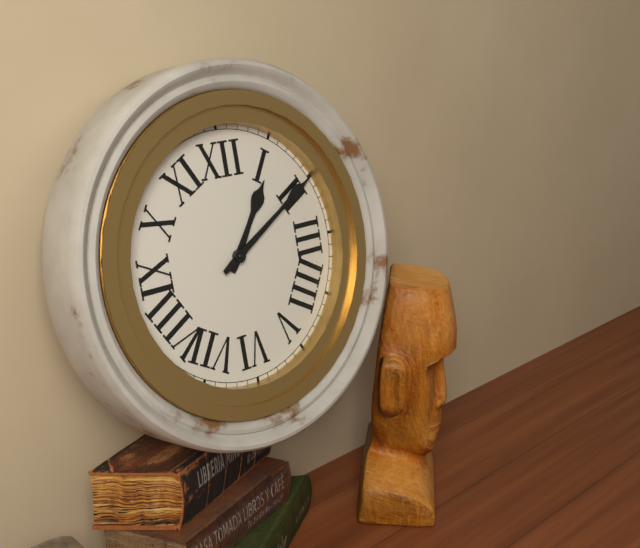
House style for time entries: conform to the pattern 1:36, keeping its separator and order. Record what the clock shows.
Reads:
1:10
